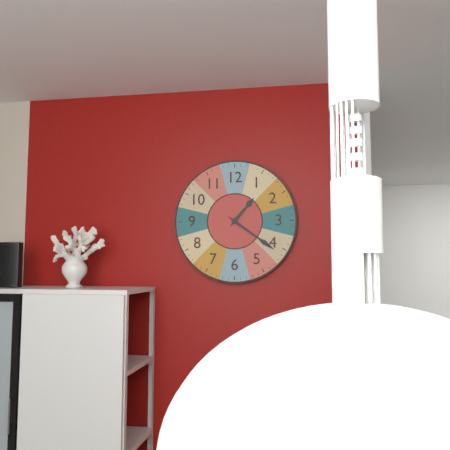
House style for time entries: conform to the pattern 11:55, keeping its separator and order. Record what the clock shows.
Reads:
1:21
